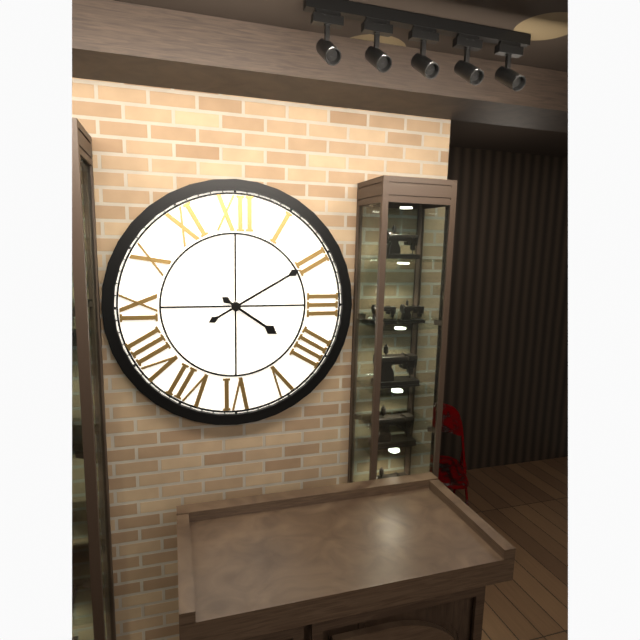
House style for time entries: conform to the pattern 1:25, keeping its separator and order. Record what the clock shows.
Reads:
4:10
